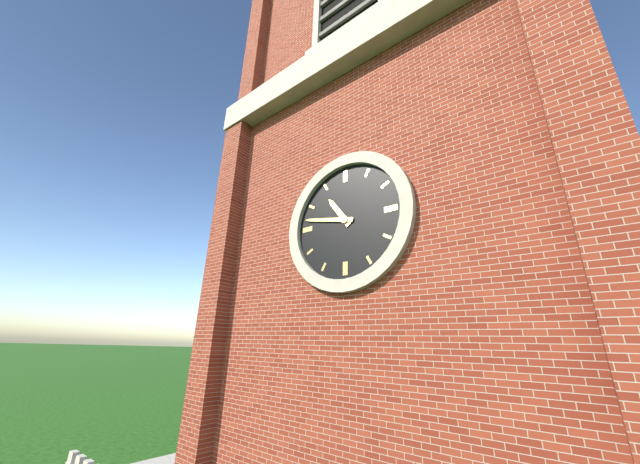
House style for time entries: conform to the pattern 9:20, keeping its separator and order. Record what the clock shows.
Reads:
10:47
